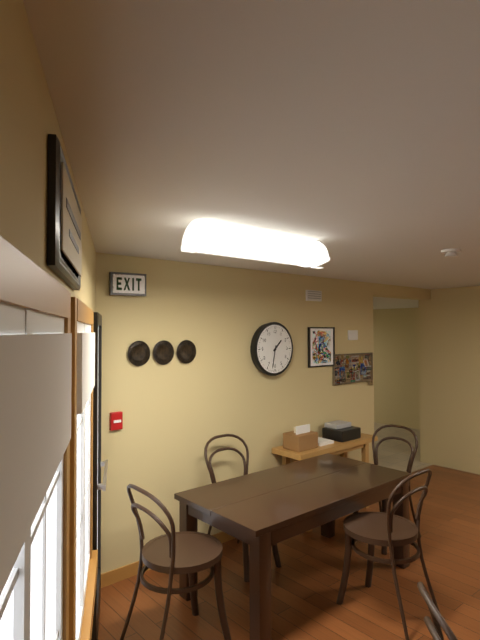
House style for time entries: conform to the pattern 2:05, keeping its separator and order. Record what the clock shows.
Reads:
1:32
